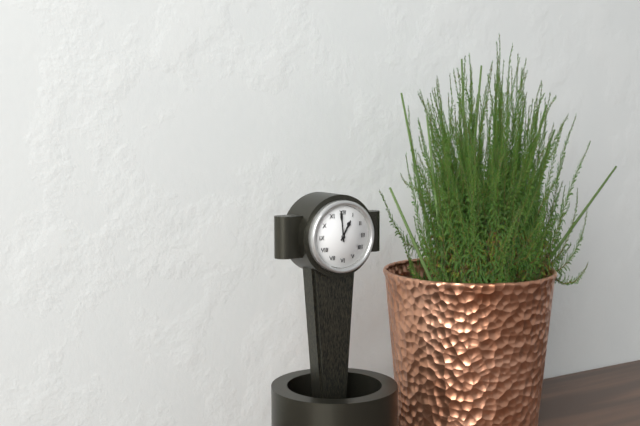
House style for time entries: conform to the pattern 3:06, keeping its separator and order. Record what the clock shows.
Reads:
12:59
